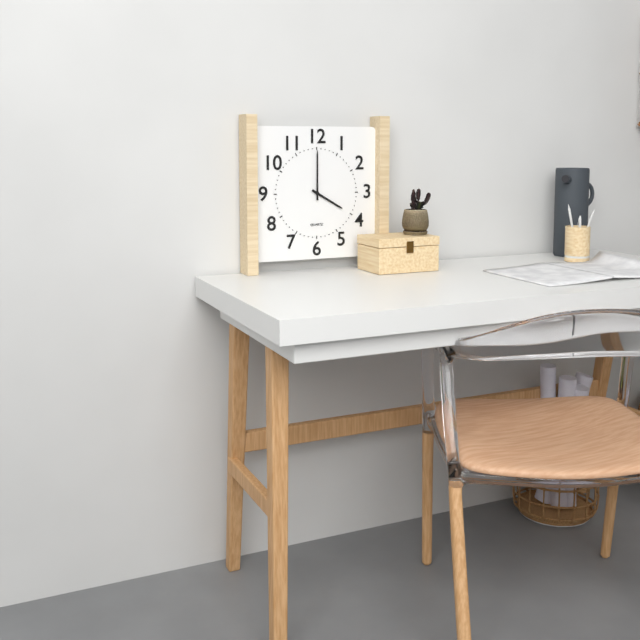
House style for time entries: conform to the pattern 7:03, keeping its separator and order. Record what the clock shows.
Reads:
4:00
